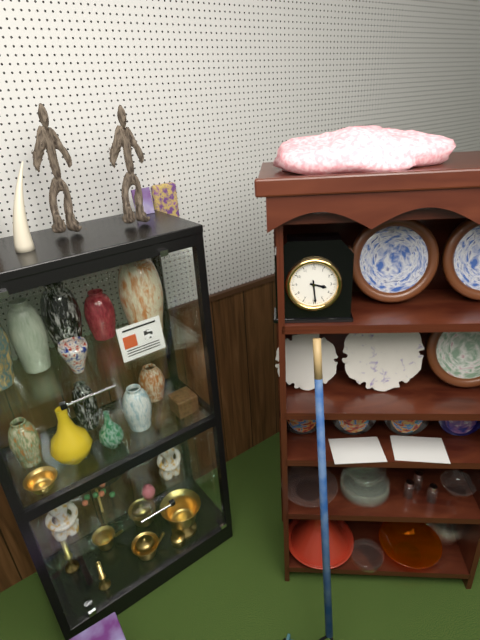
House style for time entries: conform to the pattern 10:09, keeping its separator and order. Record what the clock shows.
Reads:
3:29
